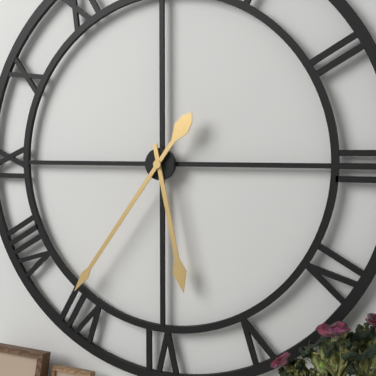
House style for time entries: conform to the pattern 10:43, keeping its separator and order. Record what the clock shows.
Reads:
5:36
